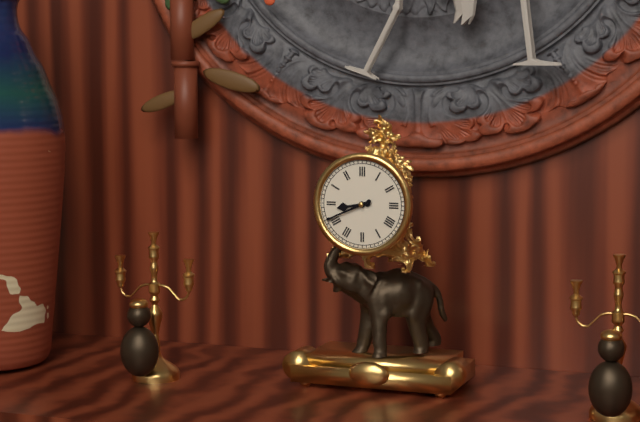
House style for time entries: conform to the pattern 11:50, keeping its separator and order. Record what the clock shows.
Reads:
8:41
